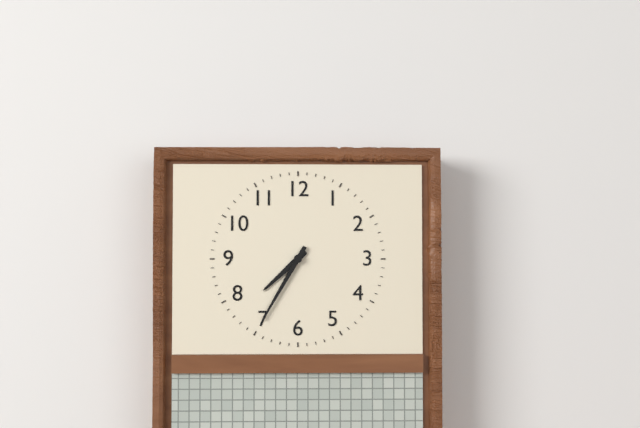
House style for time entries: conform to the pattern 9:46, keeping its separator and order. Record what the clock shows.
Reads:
7:35
